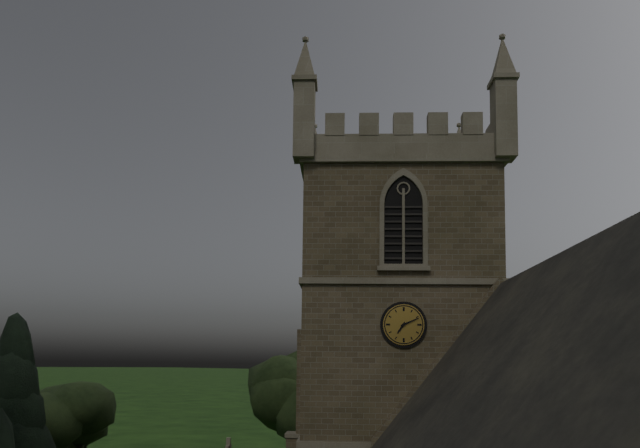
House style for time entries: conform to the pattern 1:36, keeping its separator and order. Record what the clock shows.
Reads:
7:11
